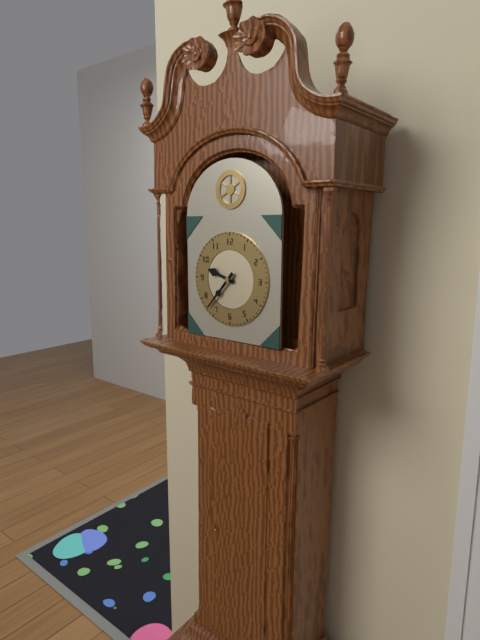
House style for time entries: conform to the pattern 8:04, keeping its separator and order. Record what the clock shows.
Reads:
9:37
